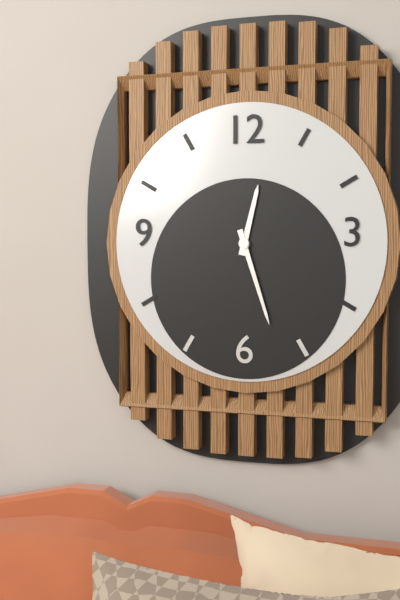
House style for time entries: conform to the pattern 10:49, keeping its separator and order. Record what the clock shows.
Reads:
12:27
